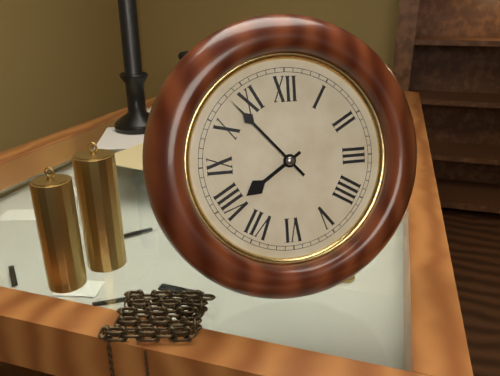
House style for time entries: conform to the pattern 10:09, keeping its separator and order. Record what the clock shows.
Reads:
7:53
